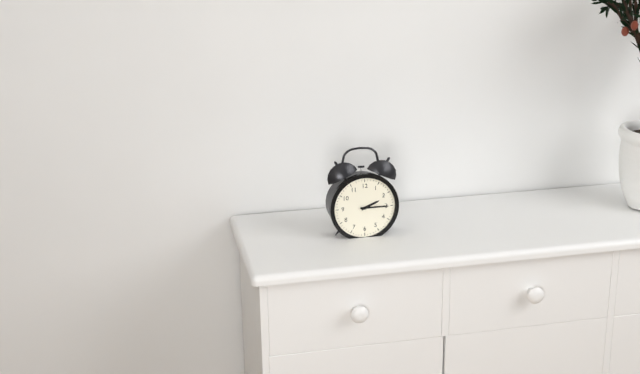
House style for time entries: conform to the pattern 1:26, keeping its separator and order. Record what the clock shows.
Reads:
2:15
